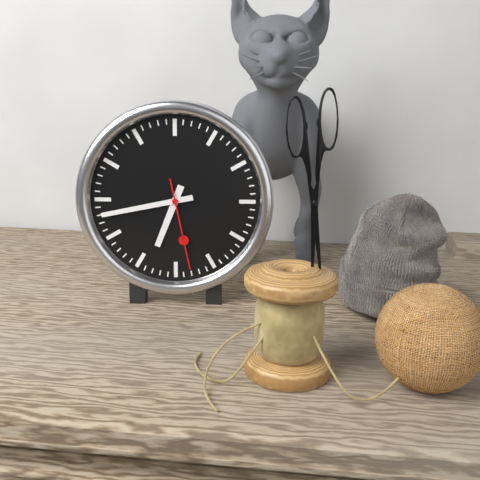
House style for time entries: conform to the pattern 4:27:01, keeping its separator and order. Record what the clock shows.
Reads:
6:43:28
